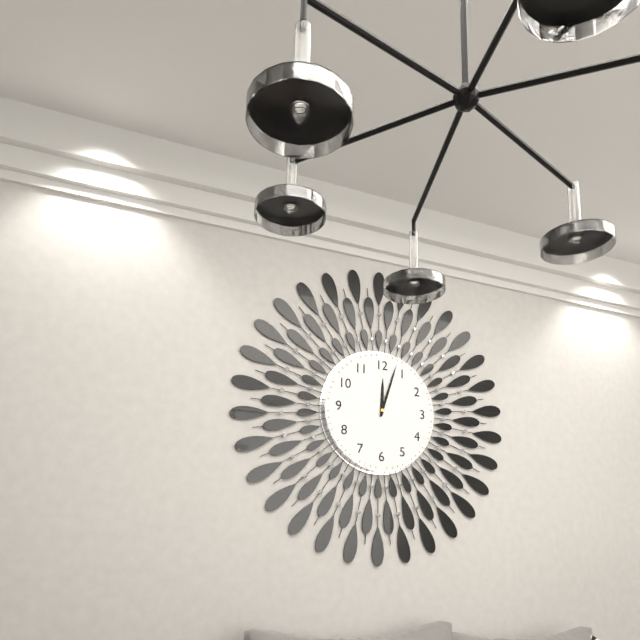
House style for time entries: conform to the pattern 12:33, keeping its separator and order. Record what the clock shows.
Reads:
12:03
